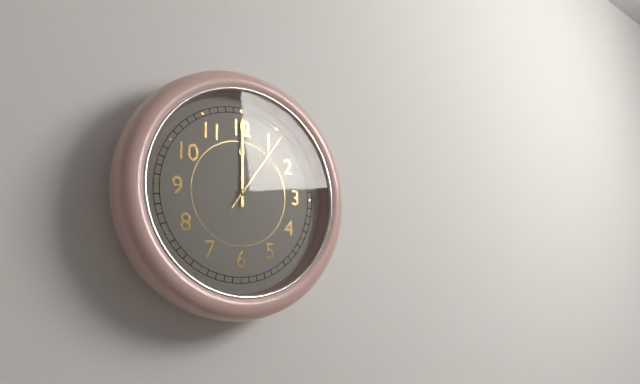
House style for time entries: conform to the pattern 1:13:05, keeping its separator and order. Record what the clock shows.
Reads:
12:00:06
